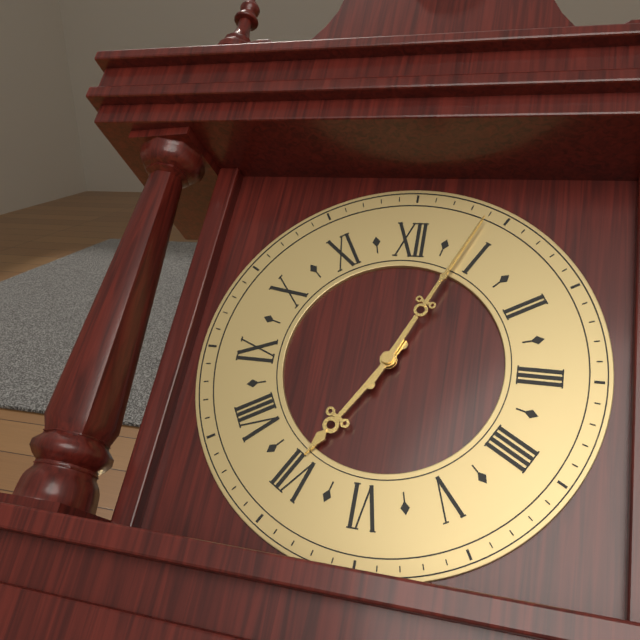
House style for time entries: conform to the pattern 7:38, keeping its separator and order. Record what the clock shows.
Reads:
7:04
